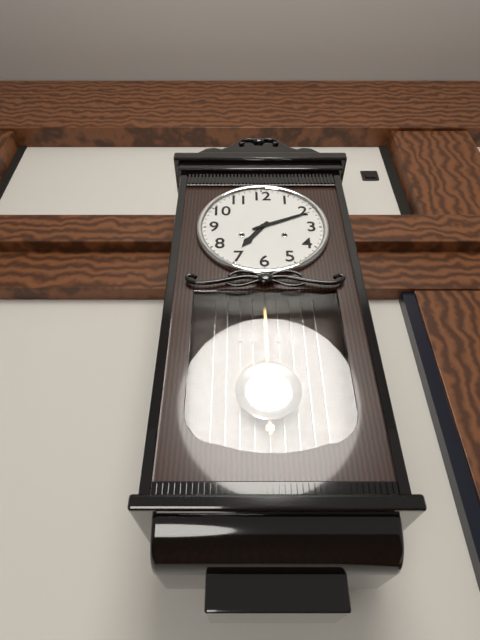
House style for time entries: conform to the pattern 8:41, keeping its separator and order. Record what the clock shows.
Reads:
7:11
